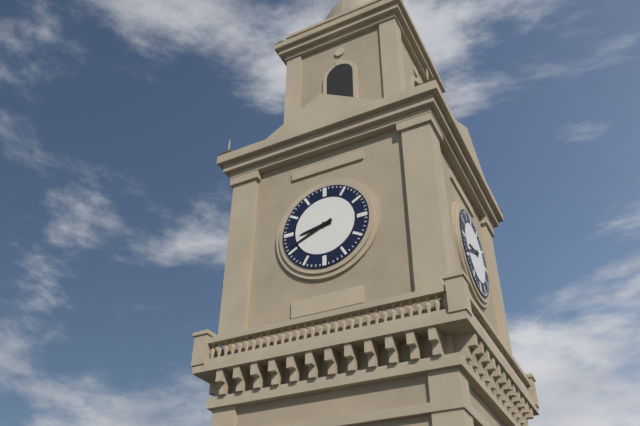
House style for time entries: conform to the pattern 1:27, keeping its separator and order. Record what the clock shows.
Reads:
8:41
